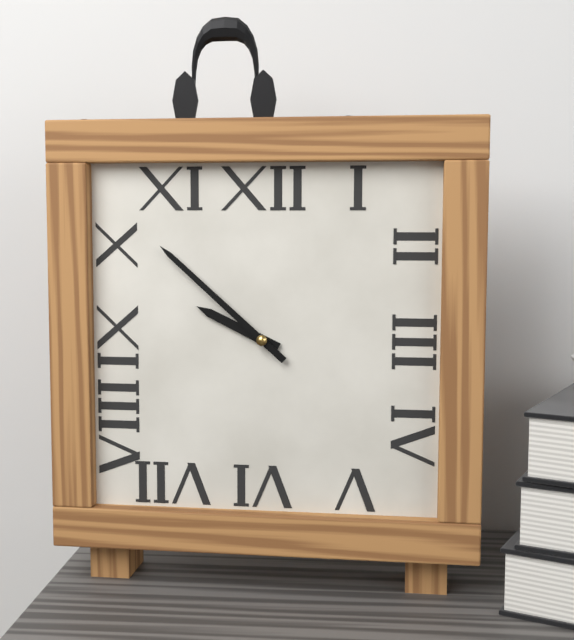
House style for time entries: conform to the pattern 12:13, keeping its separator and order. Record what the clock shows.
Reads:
9:52
